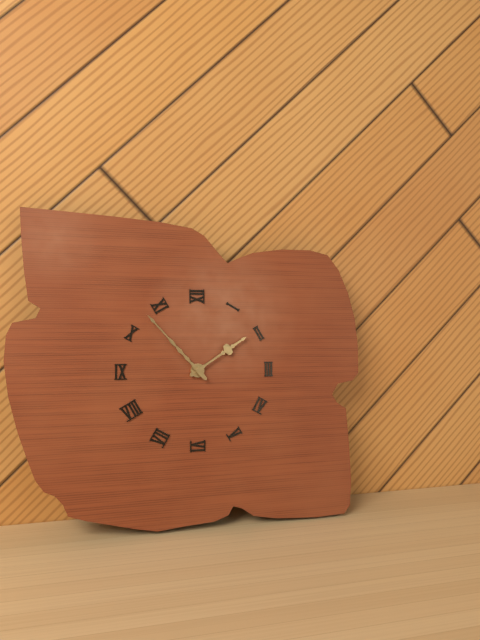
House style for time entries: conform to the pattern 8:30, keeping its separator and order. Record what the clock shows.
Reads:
1:53
